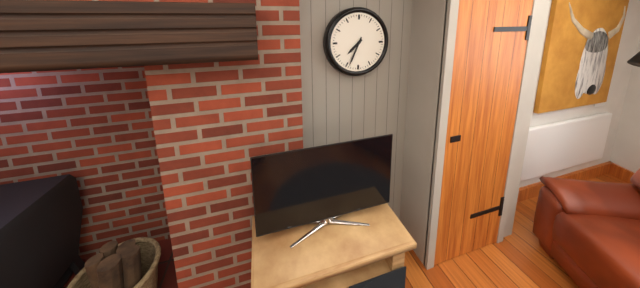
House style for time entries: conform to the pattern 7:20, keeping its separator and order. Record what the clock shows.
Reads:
7:34
